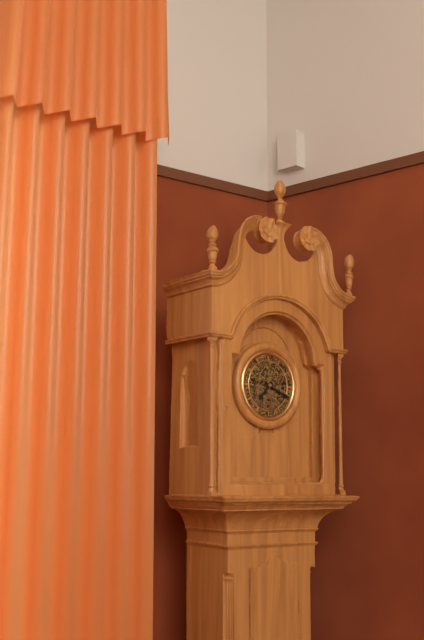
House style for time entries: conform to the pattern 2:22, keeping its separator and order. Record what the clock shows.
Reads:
7:19
